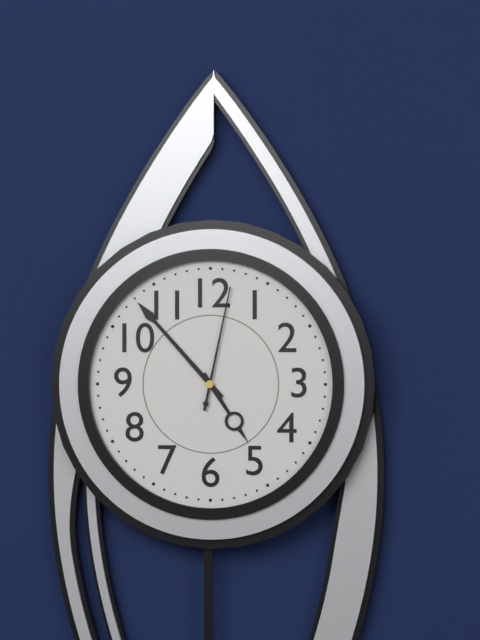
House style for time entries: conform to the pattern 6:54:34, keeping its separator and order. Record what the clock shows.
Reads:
4:53:02
